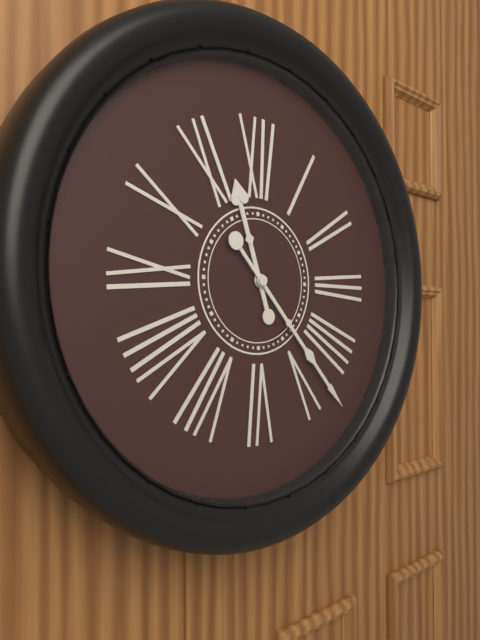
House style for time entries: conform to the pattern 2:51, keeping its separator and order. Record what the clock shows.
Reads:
11:23
